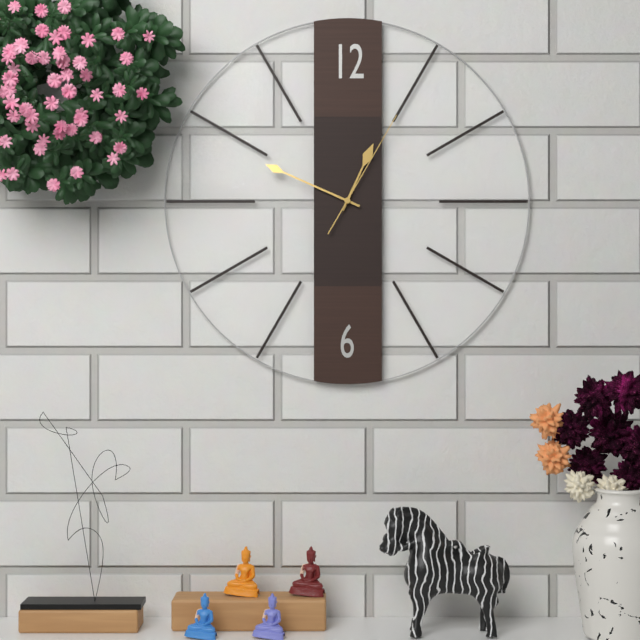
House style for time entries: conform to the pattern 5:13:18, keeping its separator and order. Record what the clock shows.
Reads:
12:49:05
